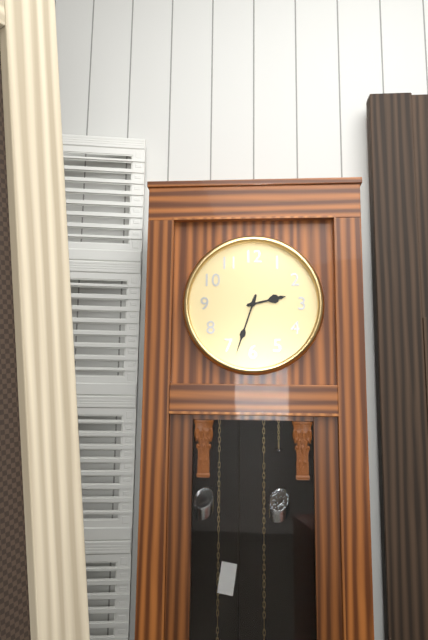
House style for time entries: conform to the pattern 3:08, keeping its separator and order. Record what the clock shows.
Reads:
2:33
